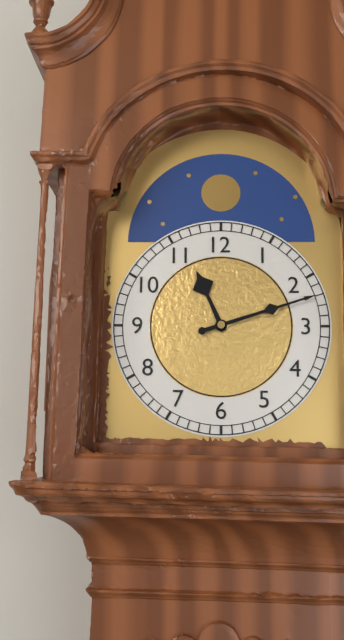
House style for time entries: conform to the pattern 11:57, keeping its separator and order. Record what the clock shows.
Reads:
11:12
